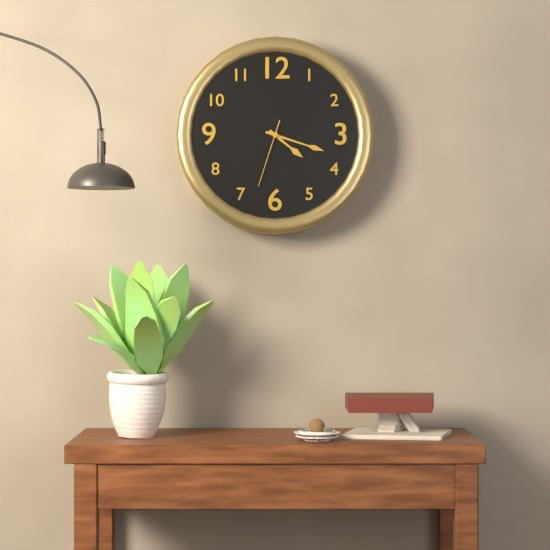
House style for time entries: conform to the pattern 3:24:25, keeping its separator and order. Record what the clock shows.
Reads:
4:18:33
